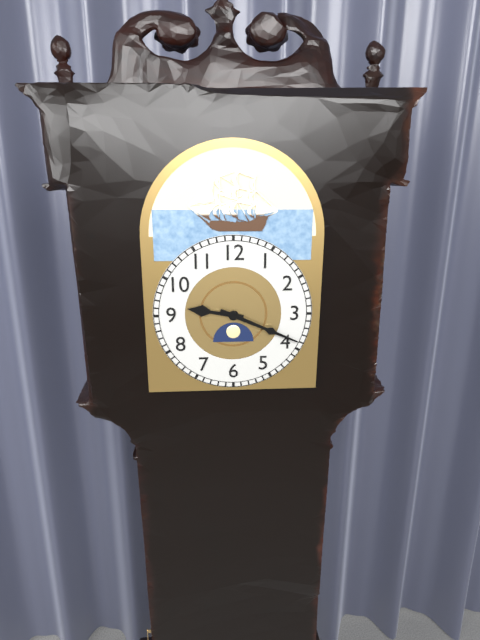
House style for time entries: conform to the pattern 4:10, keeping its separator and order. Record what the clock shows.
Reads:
9:19
